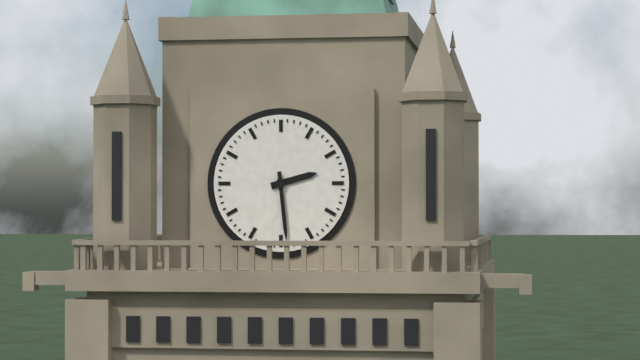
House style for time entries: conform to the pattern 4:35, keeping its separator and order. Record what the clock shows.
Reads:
2:29
